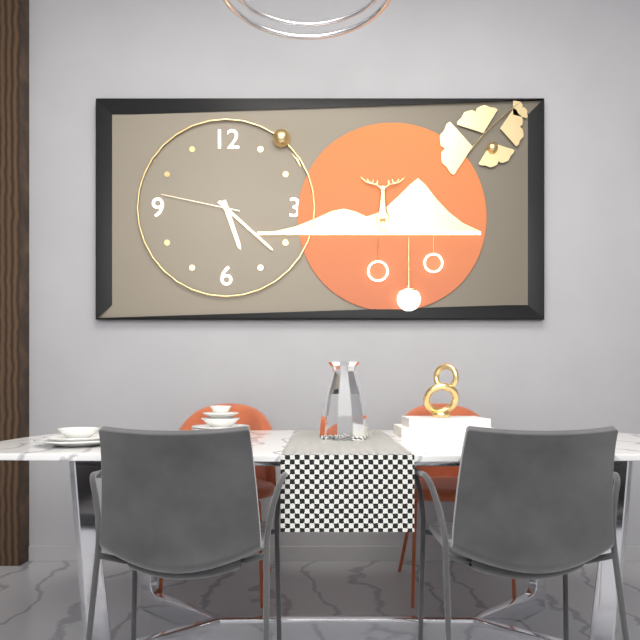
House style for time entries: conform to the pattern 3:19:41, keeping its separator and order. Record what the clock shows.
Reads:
5:22:47
